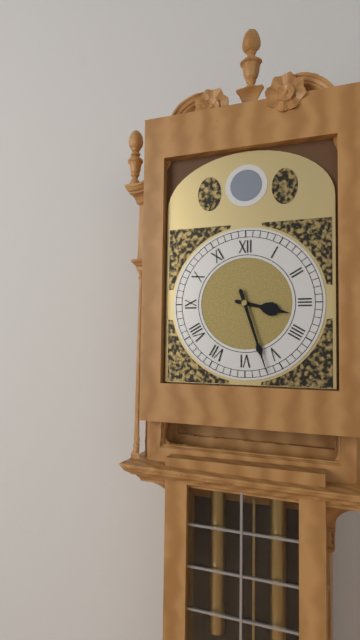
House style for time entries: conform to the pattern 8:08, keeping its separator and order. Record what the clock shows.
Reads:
3:27
